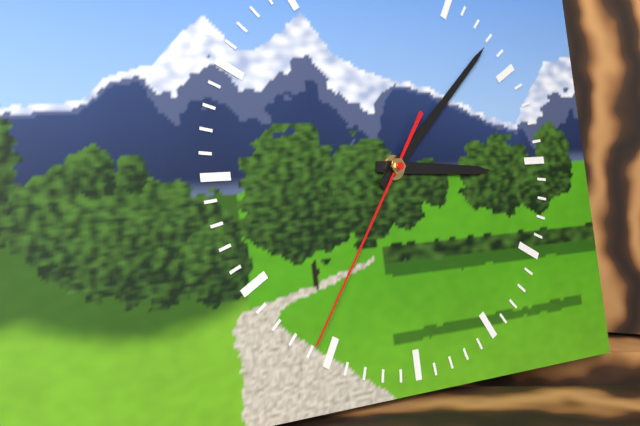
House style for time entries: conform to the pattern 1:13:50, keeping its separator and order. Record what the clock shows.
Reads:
3:08:36
